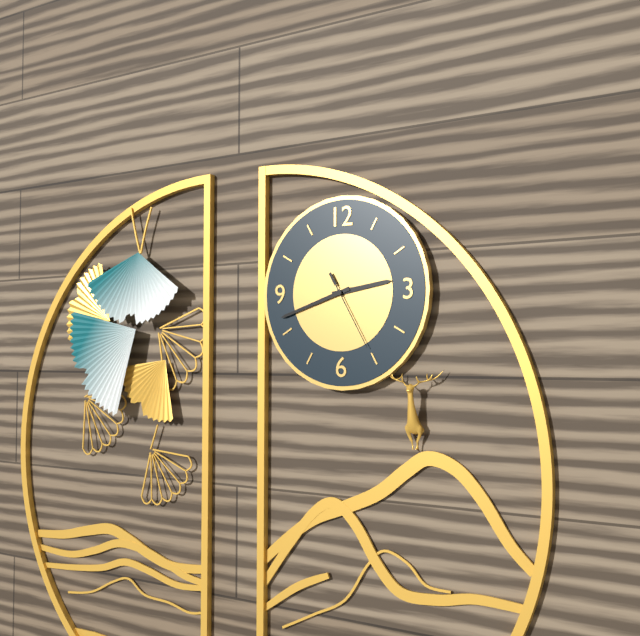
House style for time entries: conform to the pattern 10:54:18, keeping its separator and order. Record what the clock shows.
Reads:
2:42:25
